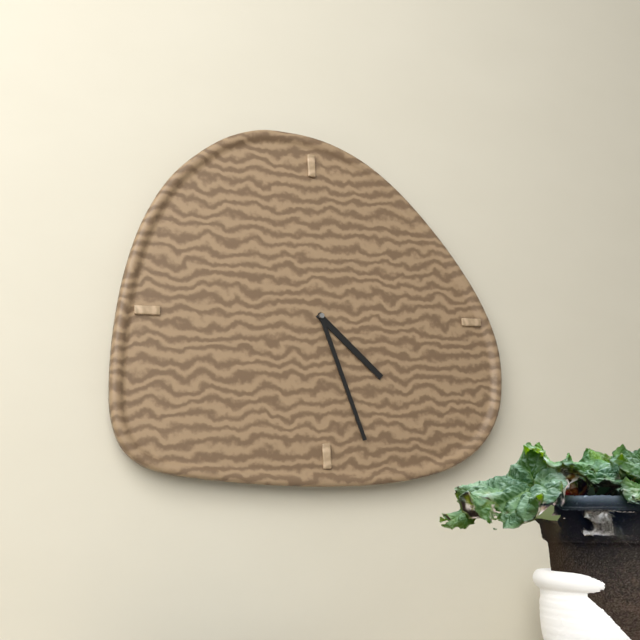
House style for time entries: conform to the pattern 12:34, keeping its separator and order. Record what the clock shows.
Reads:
4:27
